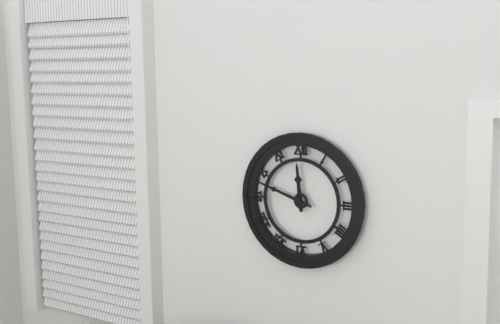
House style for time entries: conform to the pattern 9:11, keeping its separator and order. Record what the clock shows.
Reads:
11:48
